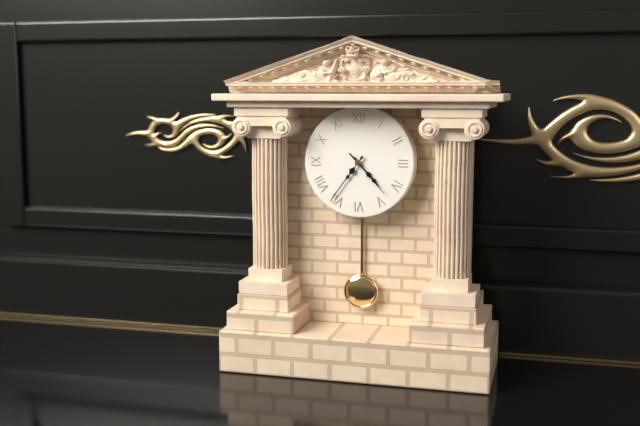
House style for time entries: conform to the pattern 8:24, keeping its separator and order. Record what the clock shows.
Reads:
4:36
